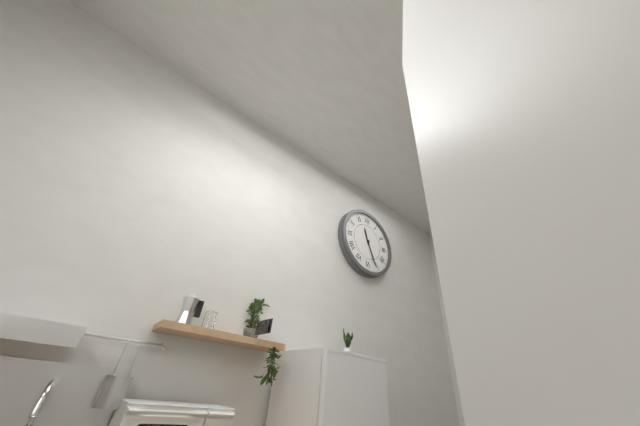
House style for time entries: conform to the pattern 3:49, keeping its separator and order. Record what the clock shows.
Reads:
11:26
